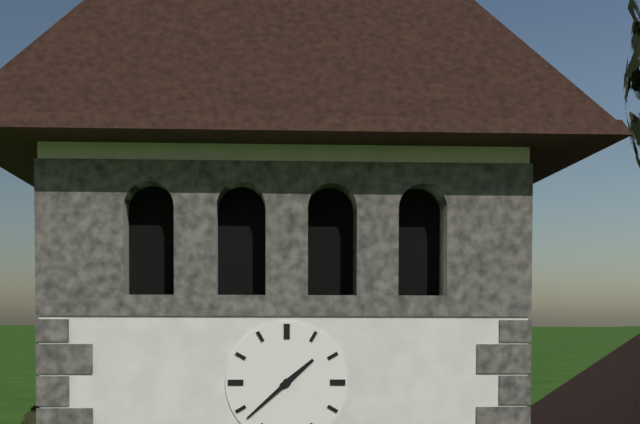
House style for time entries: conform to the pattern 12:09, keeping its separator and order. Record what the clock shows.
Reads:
1:38
